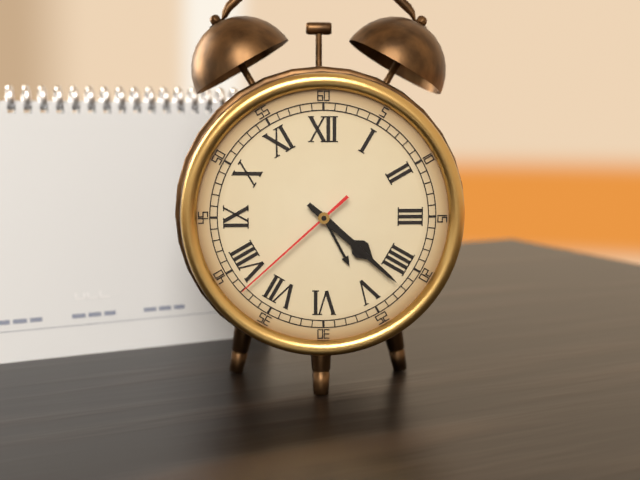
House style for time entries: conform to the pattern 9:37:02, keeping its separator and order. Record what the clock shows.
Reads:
4:22:38
